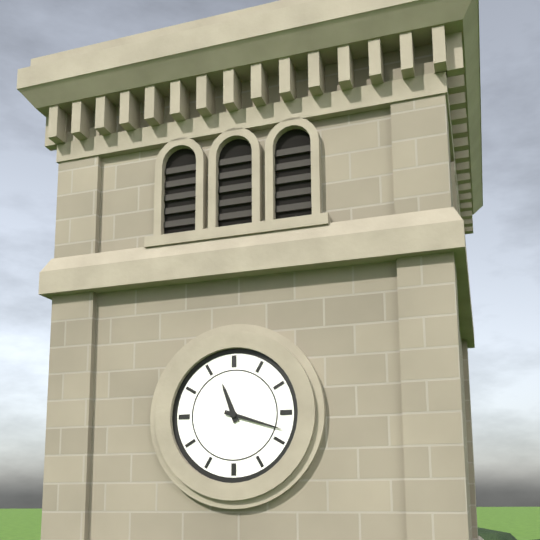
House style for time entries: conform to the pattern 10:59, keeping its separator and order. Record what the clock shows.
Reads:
11:18
